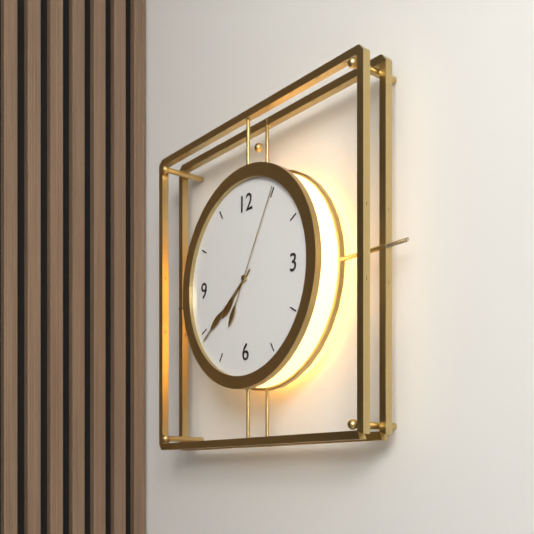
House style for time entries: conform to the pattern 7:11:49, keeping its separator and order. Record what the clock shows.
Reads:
7:39:05
